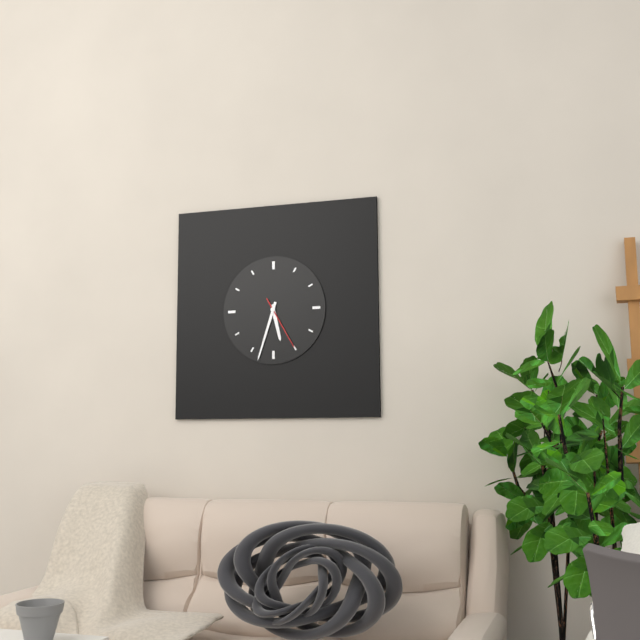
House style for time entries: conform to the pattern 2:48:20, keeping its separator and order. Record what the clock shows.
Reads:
5:33:25
